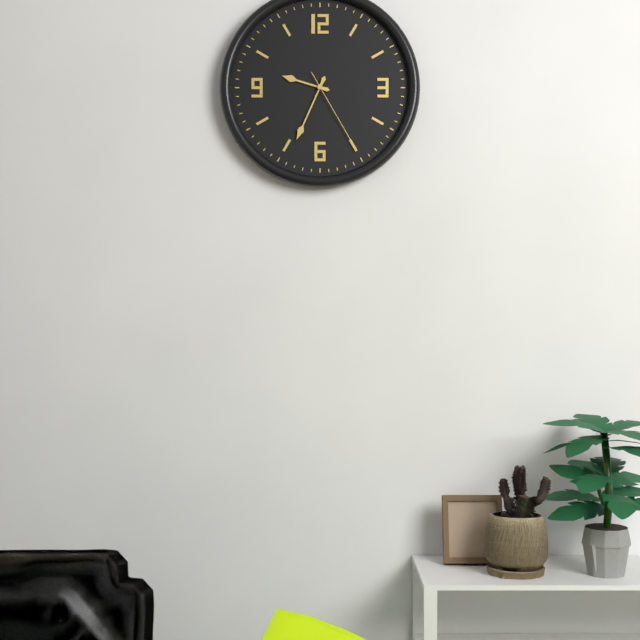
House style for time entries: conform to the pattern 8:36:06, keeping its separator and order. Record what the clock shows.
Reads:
9:34:25
